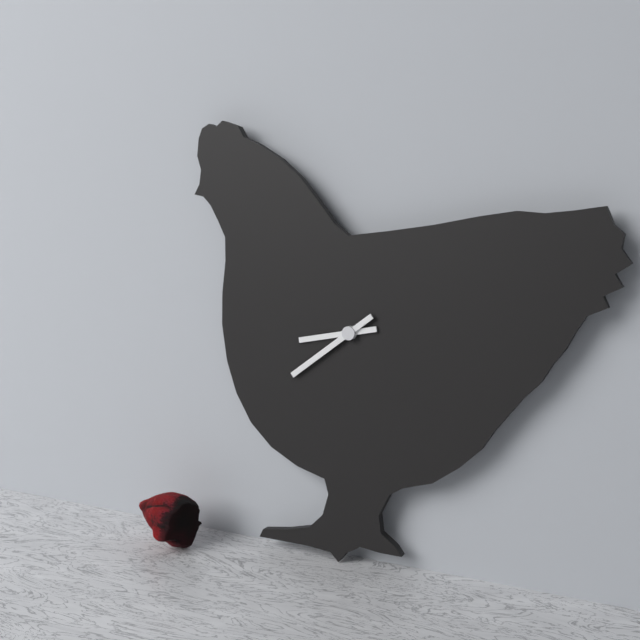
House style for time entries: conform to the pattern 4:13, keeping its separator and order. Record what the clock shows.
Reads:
8:39
